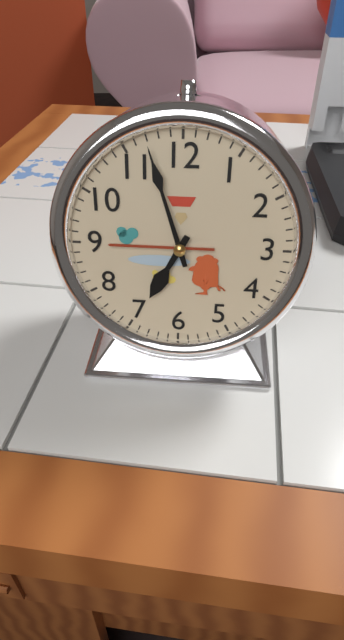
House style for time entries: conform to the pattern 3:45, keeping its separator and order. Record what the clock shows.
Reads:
6:57
